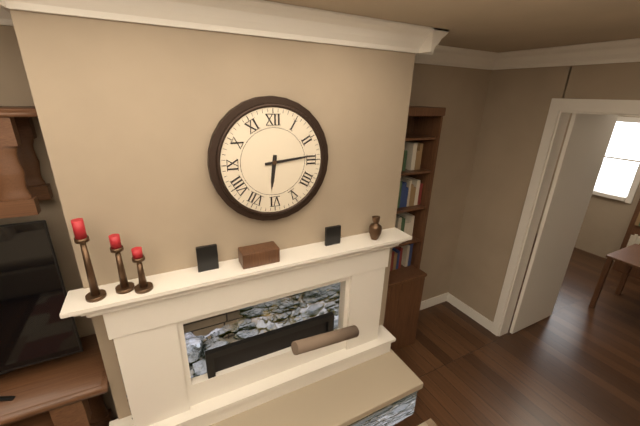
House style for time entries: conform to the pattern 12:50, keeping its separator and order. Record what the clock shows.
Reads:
6:14
